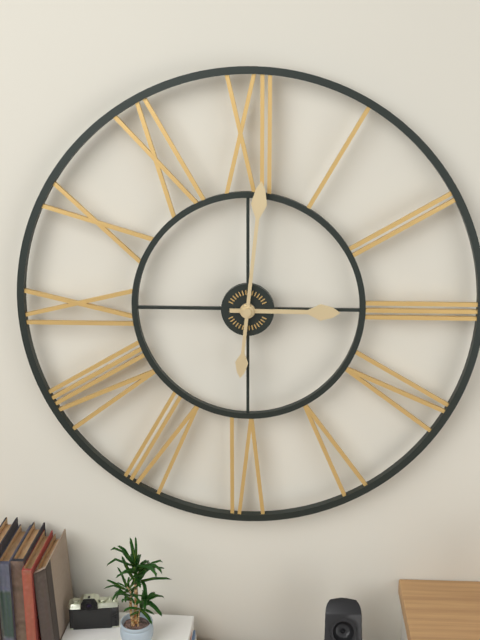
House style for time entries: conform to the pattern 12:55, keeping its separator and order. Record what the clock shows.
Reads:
3:01
